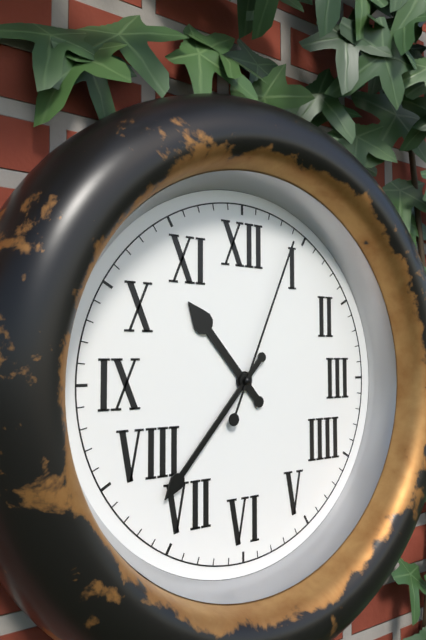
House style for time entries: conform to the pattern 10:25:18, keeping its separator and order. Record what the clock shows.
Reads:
10:37:04
